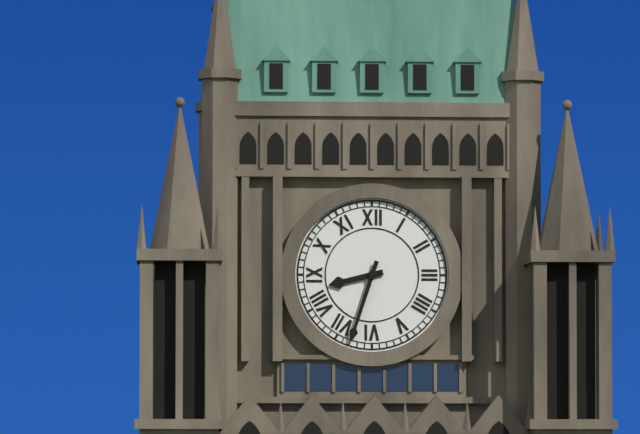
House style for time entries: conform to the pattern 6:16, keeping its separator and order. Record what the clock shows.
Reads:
8:33
